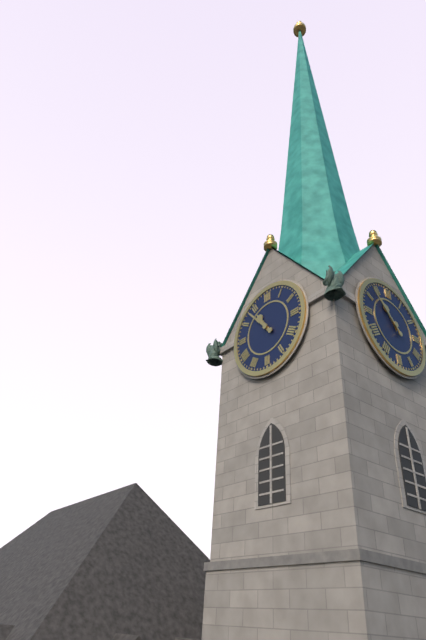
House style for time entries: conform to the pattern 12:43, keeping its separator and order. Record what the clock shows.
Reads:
10:53
